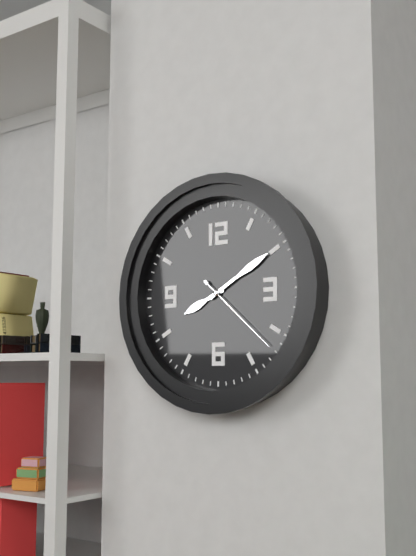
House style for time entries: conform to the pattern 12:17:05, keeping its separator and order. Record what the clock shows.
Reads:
8:10:22
